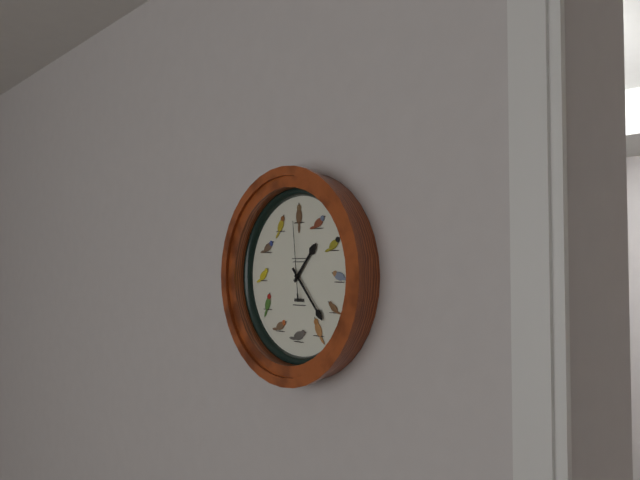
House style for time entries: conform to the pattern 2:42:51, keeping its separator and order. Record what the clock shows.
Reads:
1:23:59
